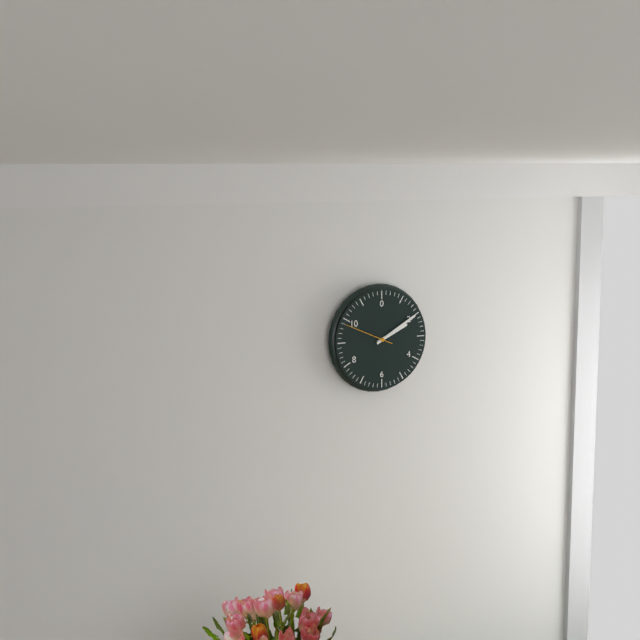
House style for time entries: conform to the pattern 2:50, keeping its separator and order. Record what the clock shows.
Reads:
2:10
